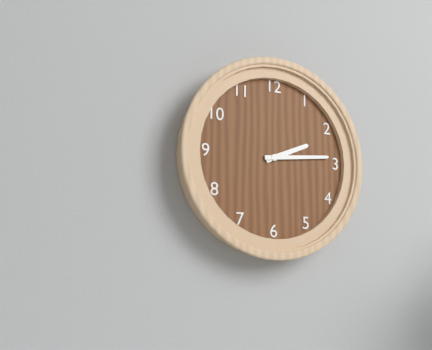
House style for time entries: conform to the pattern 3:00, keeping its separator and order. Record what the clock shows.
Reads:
2:14
